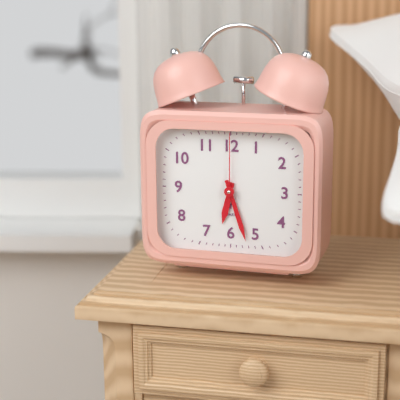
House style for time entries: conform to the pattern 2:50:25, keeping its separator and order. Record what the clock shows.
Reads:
6:27:00
